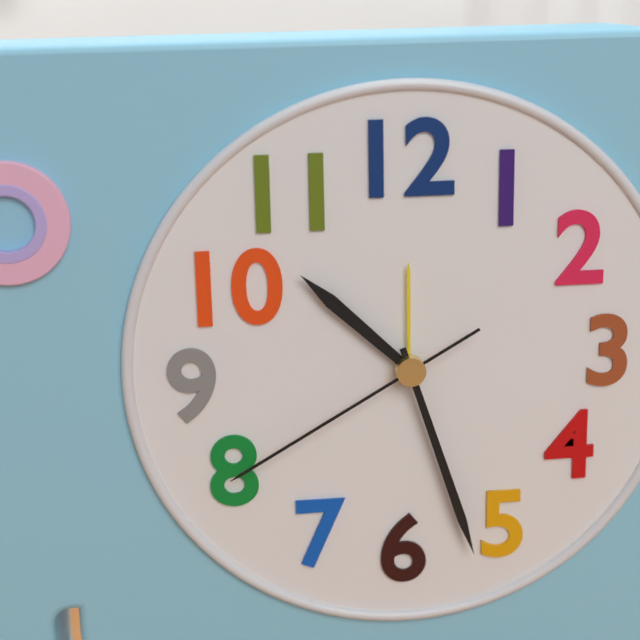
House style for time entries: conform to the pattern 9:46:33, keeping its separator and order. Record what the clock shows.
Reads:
10:27:40
